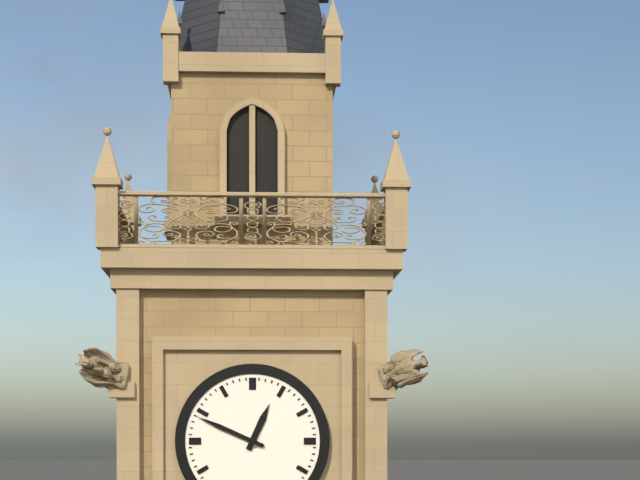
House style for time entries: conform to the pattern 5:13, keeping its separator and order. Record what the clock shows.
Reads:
12:49
